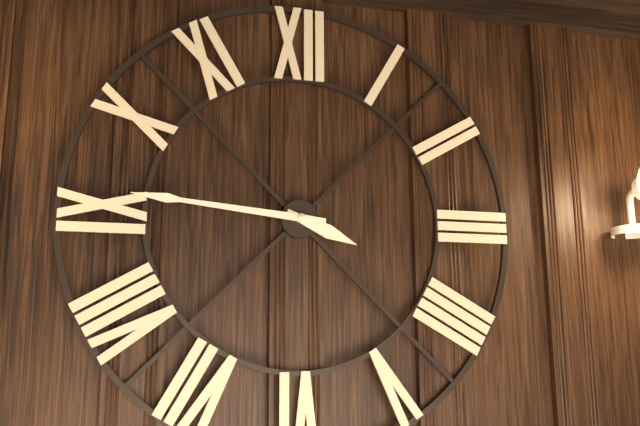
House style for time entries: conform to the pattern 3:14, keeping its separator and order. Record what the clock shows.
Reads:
3:46
